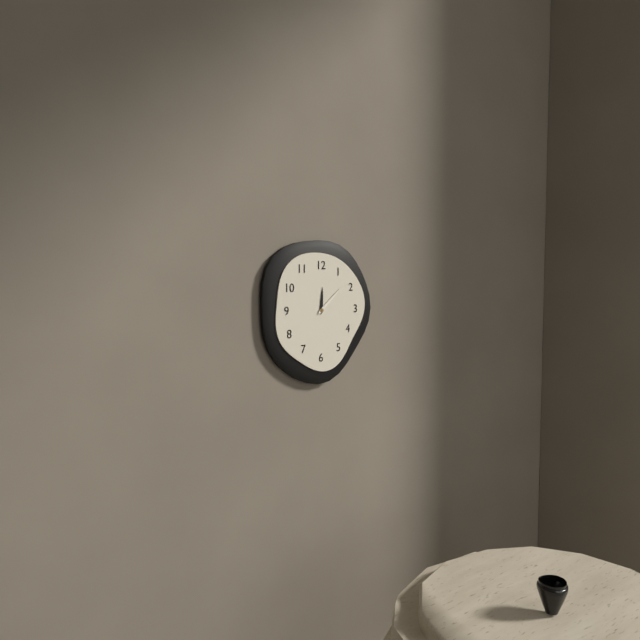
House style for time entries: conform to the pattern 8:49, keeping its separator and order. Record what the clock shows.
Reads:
12:08
